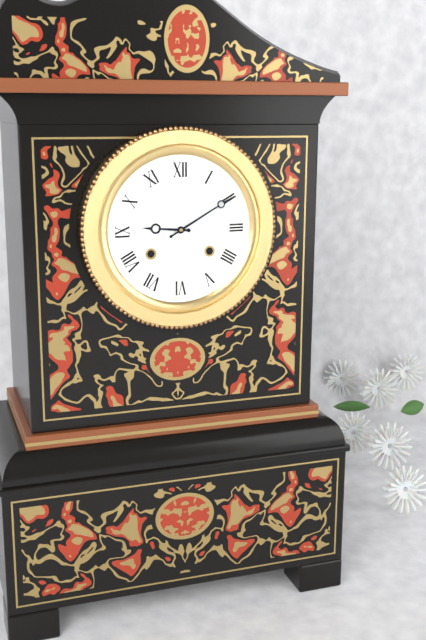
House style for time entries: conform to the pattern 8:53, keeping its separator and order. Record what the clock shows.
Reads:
9:10
